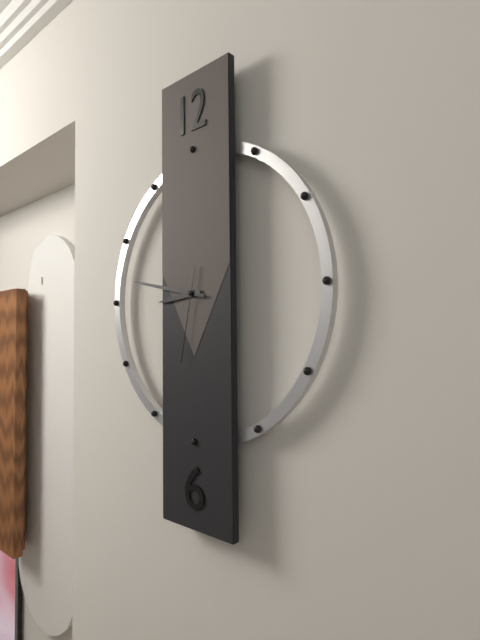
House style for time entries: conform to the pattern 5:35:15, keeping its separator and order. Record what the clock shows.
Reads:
8:47:32
